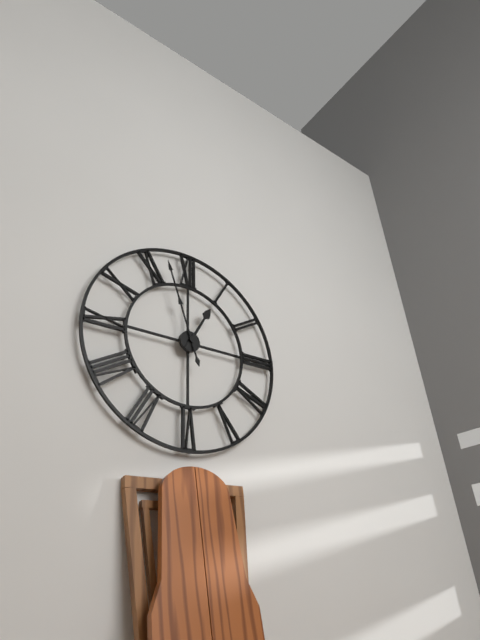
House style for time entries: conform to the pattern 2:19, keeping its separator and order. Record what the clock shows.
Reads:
12:57
